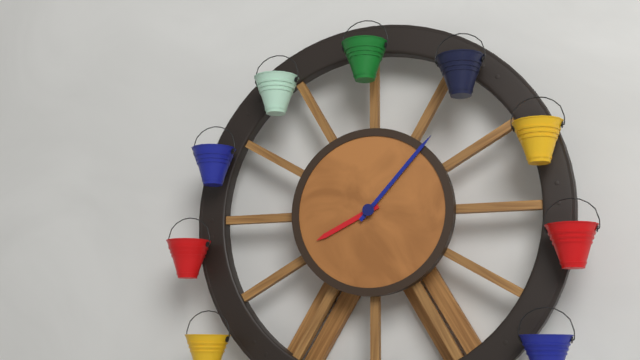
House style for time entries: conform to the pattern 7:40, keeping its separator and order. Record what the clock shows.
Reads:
8:07
